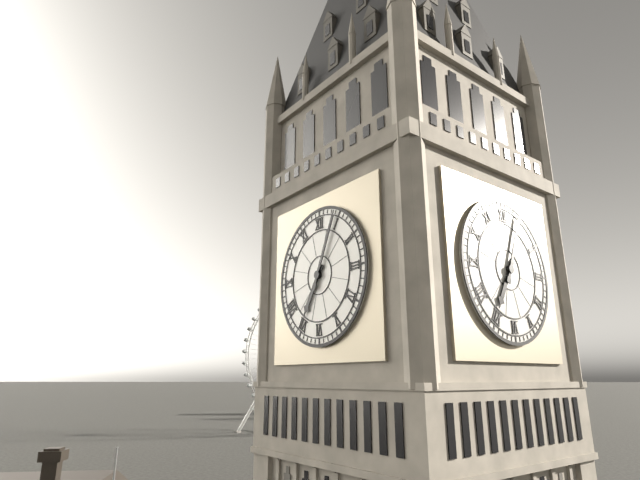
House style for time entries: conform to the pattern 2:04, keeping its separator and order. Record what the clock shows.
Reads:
7:04
